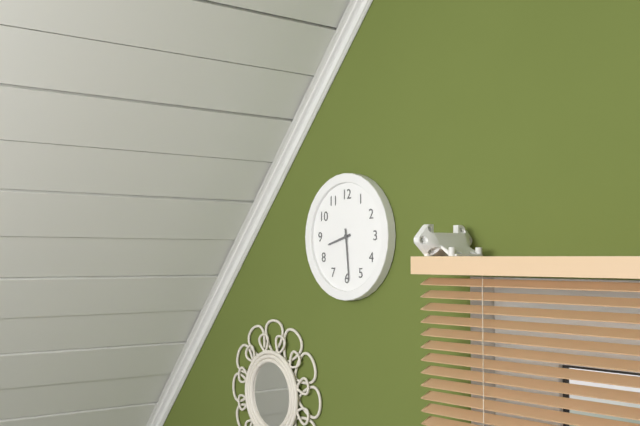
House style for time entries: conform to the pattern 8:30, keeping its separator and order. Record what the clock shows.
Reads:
8:29
